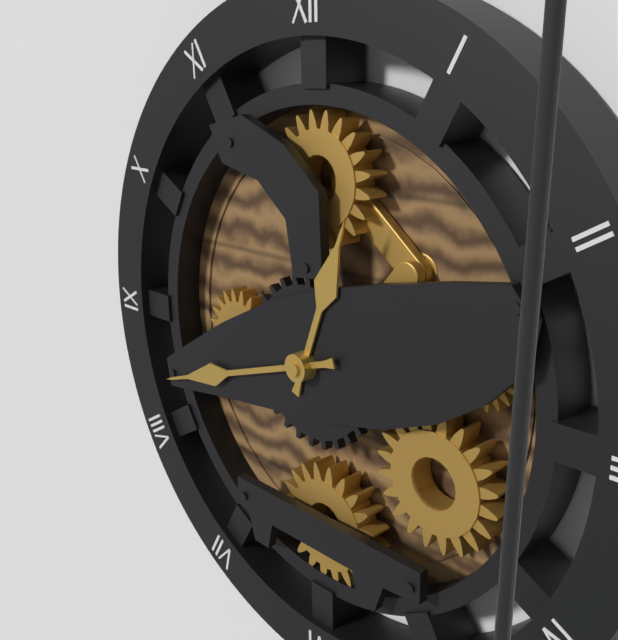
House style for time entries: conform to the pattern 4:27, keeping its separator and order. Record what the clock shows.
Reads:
12:42
